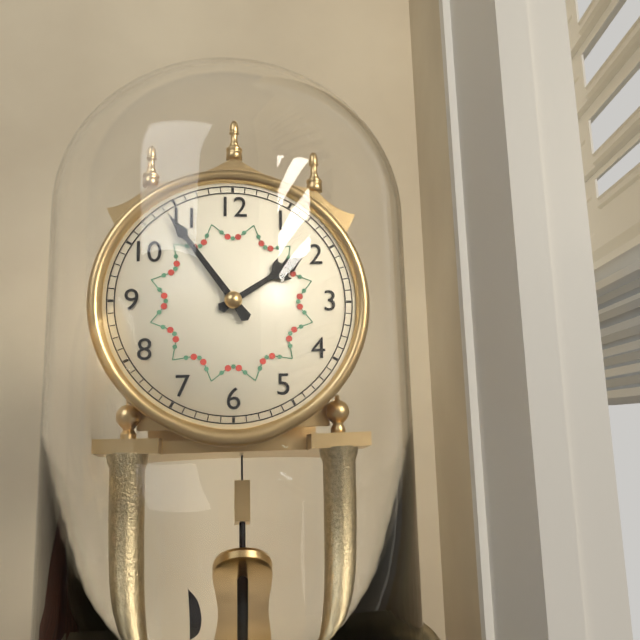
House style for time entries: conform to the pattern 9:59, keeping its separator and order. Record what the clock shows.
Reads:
1:54
